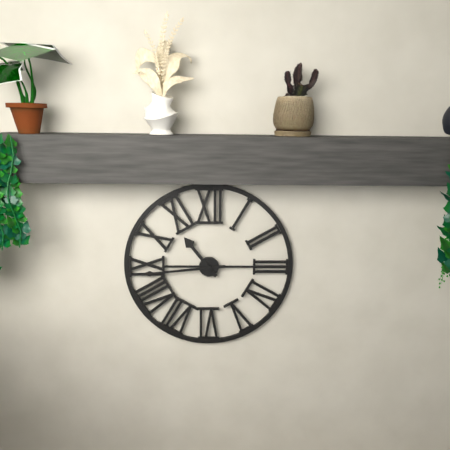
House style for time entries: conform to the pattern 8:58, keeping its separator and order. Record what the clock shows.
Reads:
10:44
